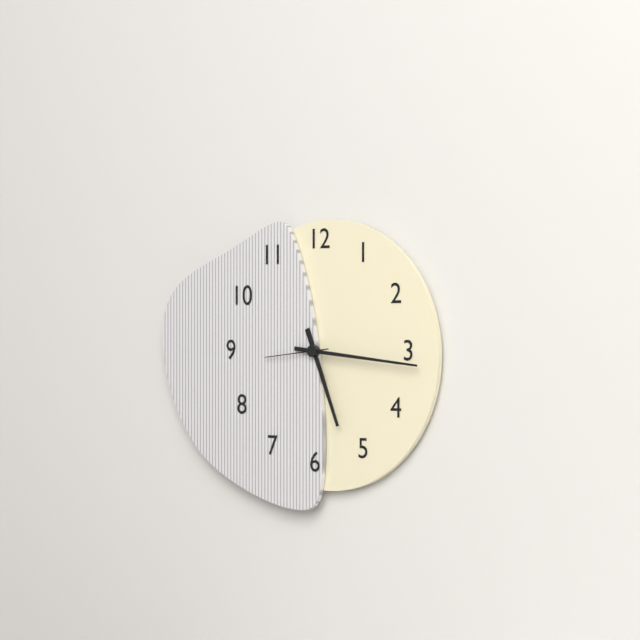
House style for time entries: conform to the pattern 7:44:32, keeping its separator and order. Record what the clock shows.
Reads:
5:16:44
